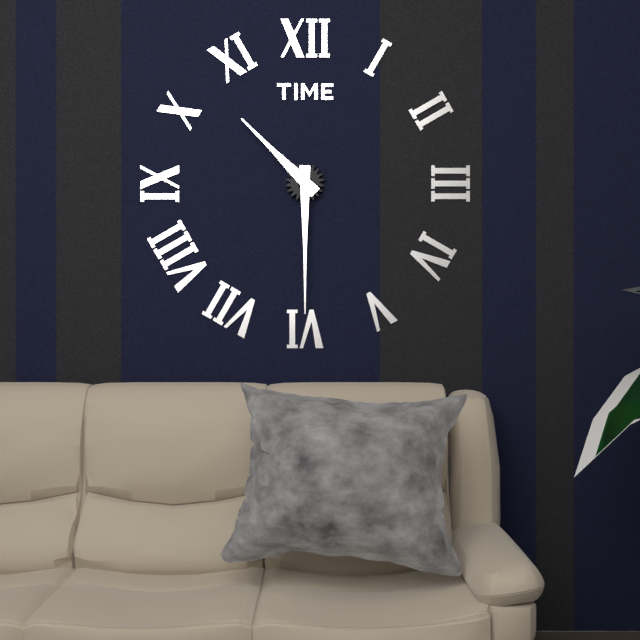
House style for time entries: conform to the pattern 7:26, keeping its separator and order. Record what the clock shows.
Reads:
10:30
